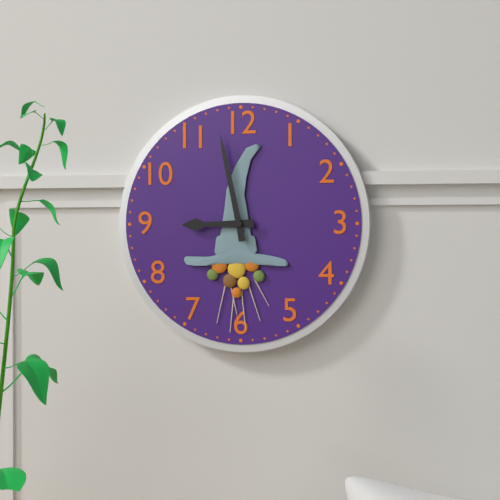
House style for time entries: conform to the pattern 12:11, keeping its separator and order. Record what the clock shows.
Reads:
8:58
